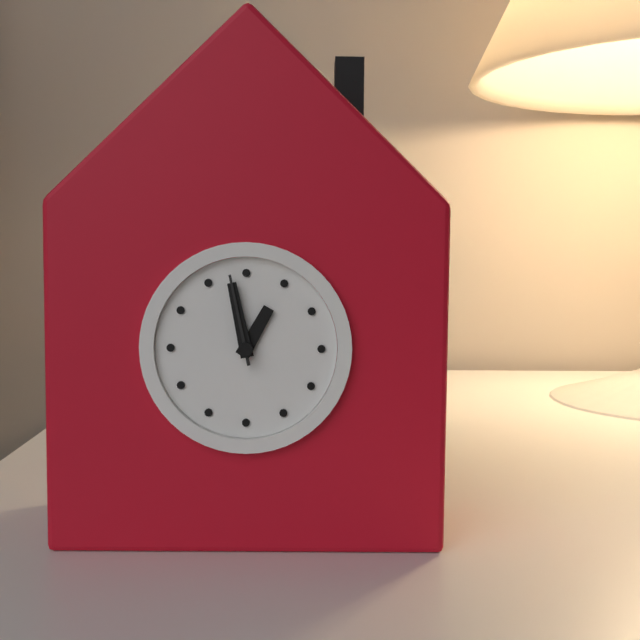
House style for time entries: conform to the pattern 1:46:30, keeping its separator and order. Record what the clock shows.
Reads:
12:58:58
